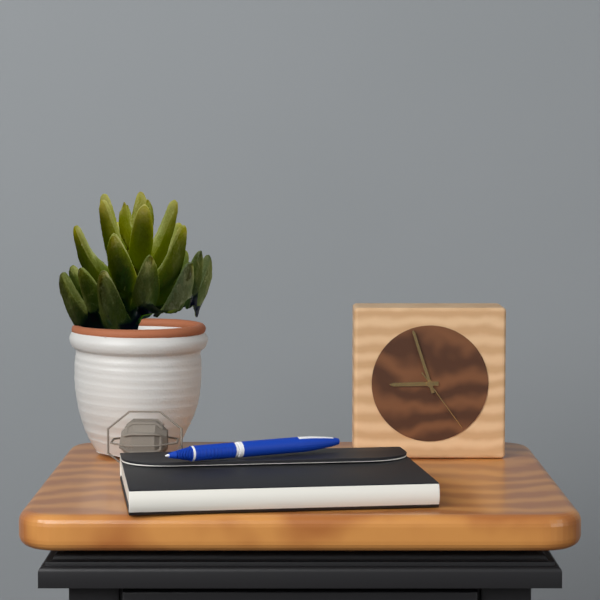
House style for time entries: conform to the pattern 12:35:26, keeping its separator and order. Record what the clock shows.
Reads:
8:57:24
